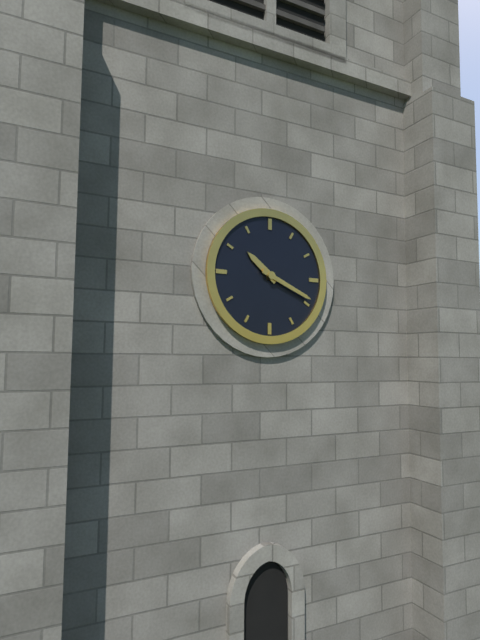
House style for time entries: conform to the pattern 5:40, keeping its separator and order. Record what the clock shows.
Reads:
10:19
